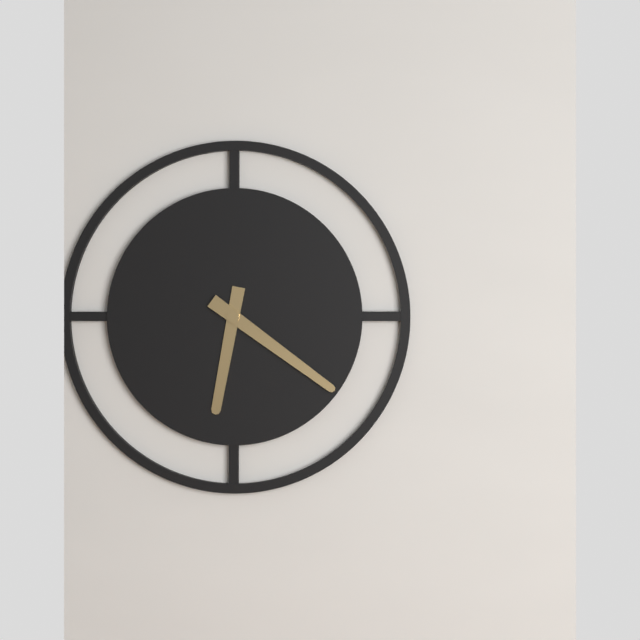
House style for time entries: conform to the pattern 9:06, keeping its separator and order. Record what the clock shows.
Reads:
6:21
